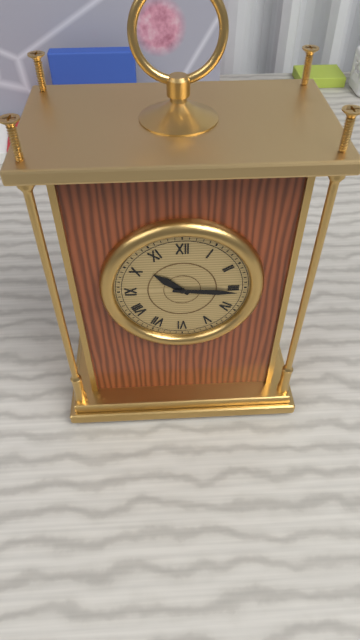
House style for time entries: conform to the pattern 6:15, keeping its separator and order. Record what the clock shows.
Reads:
10:16
